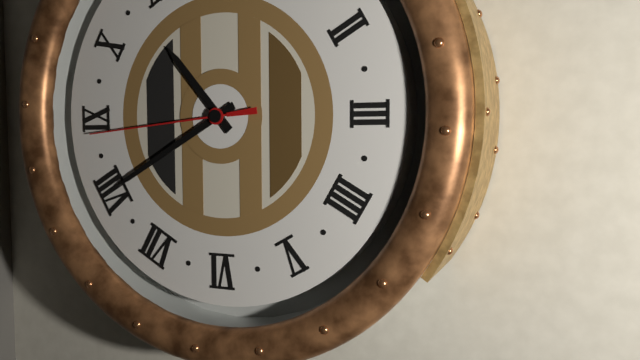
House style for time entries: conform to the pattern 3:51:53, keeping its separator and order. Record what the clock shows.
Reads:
10:40:44
